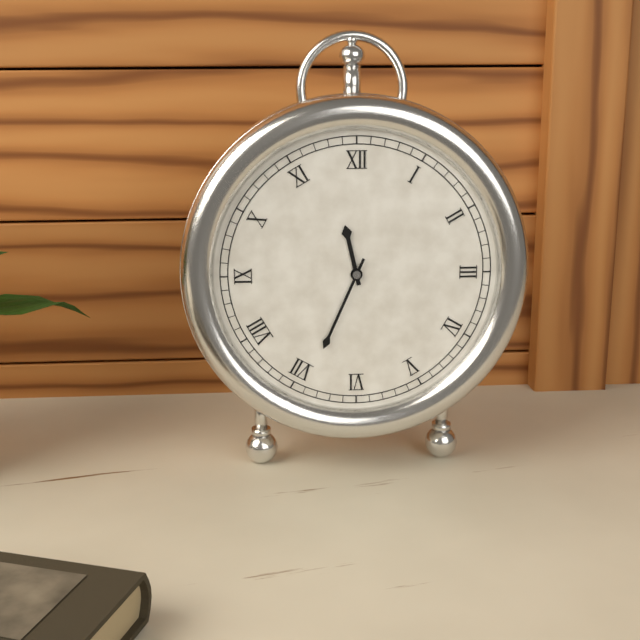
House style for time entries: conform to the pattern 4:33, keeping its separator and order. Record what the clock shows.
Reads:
11:34
